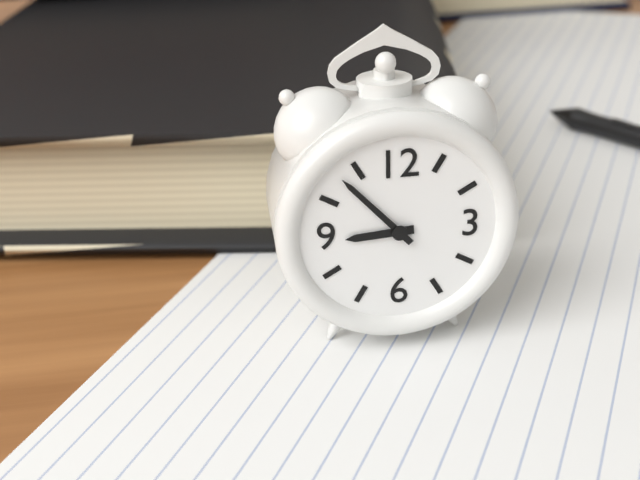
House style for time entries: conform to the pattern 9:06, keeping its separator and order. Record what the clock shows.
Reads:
8:53
